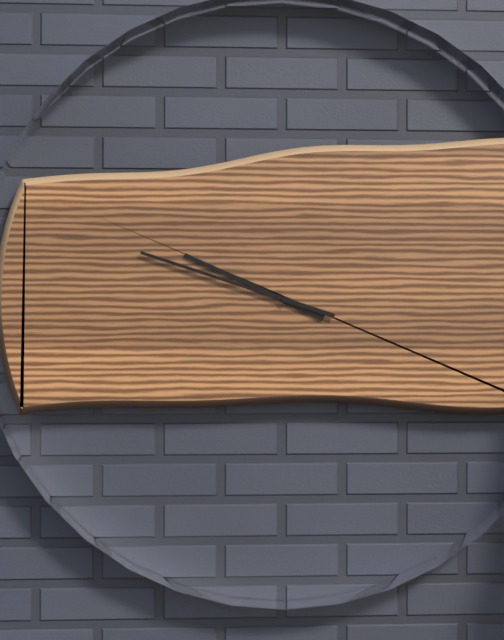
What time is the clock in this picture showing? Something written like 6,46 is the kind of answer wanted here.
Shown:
9,48
